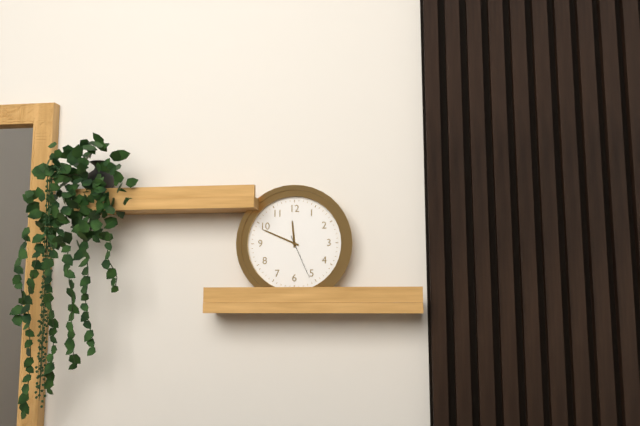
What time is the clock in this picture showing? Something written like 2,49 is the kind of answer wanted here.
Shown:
11,49
